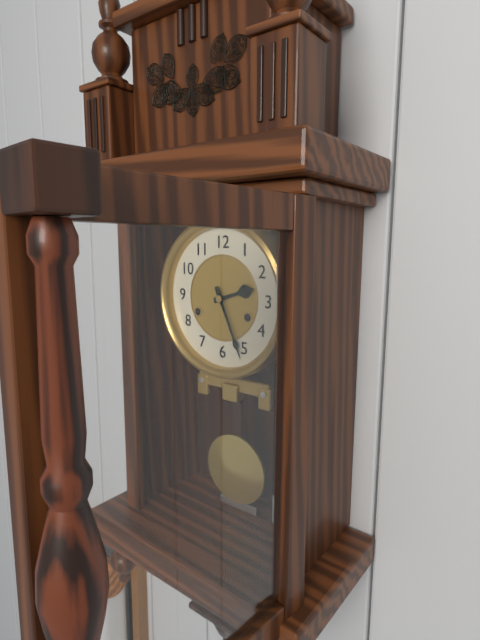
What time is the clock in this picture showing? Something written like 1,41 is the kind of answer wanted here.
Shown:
2,26
